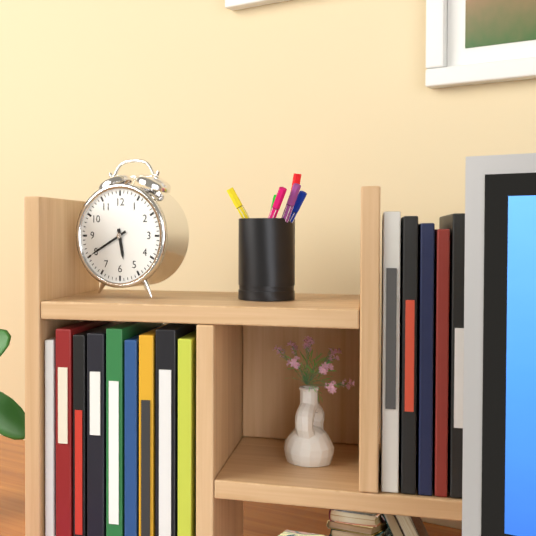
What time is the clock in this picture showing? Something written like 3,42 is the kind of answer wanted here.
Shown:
5,40
